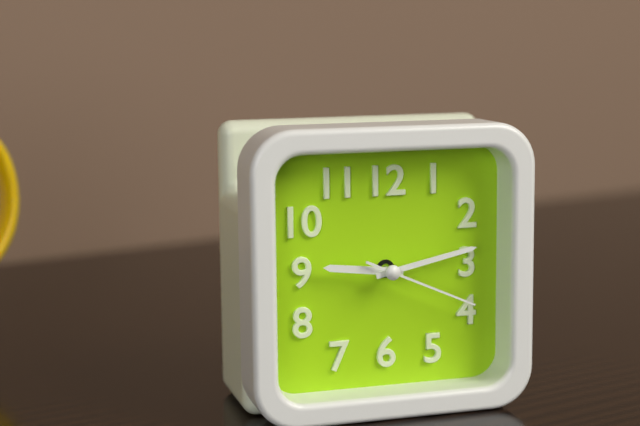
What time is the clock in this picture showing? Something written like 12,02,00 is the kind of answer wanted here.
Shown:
9,13,19
